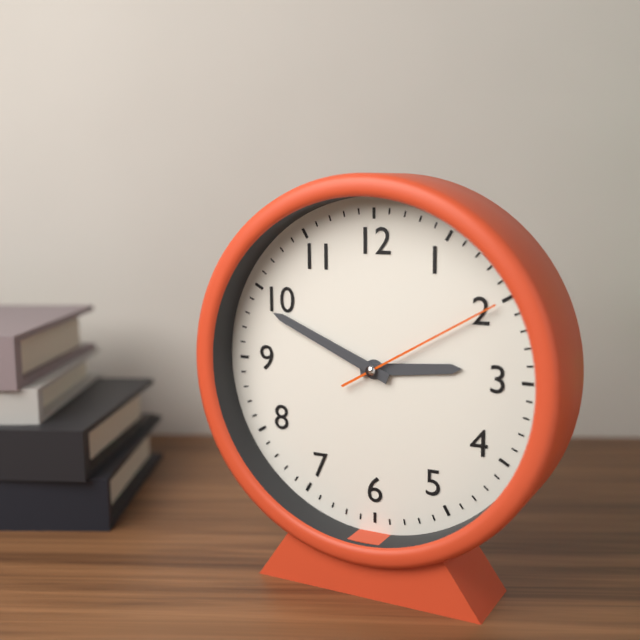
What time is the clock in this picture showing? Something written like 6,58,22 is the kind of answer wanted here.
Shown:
2,49,10
